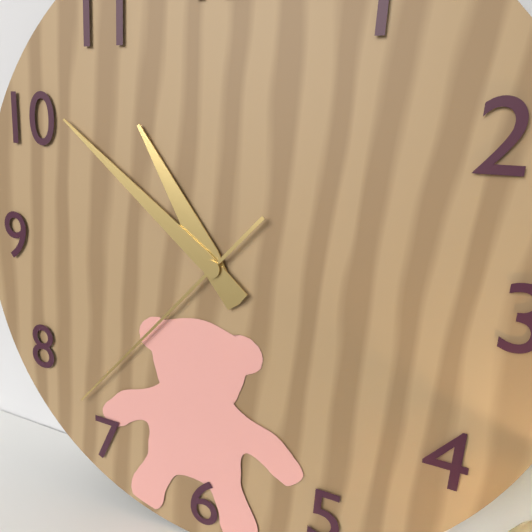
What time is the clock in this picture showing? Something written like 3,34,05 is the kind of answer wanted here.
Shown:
10,51,37
